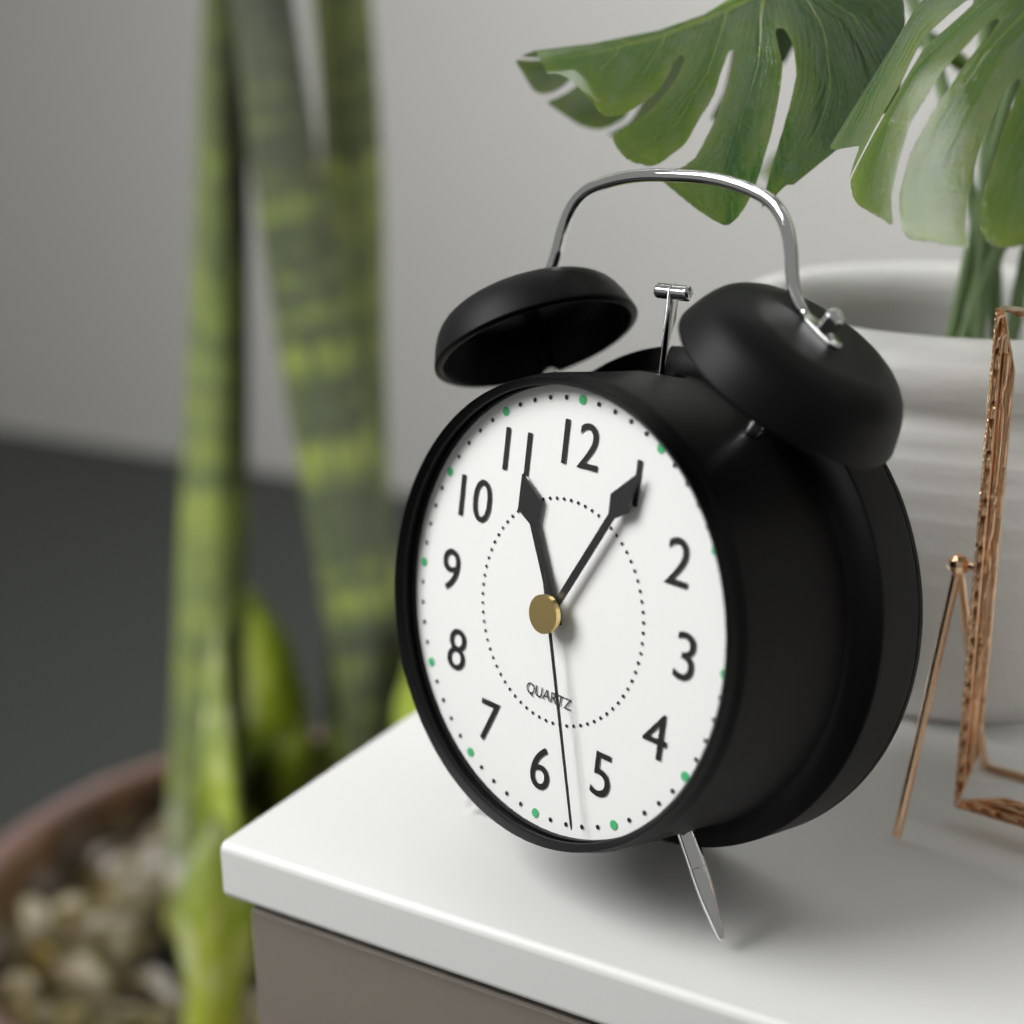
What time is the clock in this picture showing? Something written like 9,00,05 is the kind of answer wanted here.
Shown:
11,05,27
